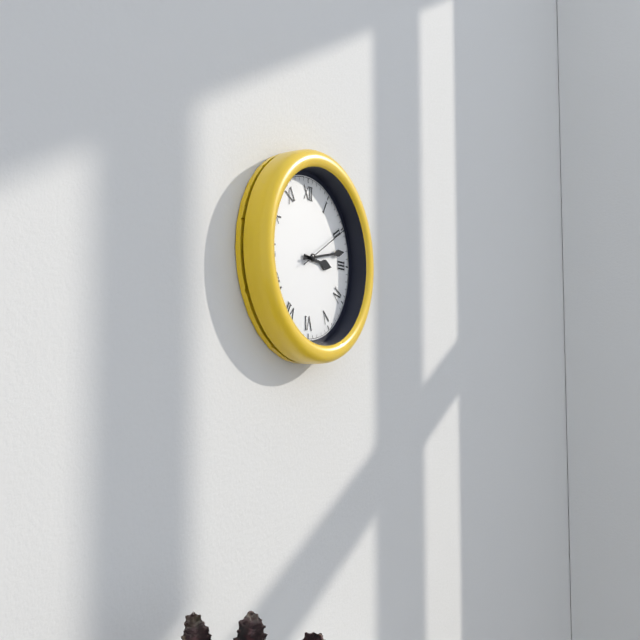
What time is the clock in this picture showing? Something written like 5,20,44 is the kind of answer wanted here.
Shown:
3,13,10
